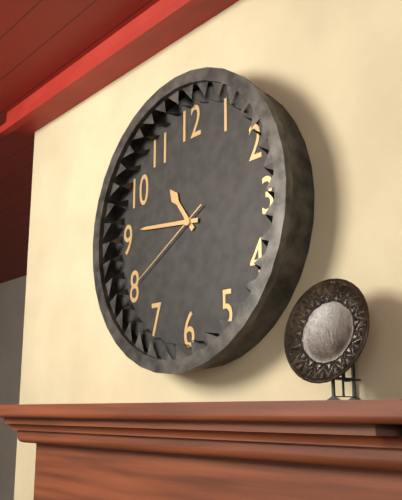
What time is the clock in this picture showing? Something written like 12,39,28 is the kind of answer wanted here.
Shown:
10,46,40
